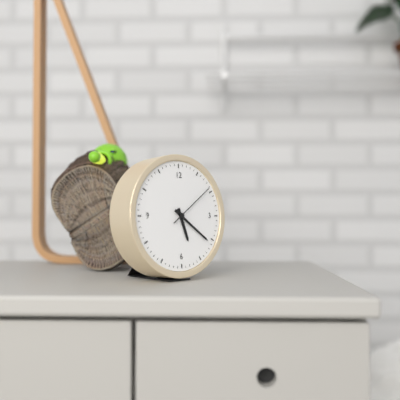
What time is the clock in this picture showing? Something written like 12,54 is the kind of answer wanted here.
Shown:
5,21
